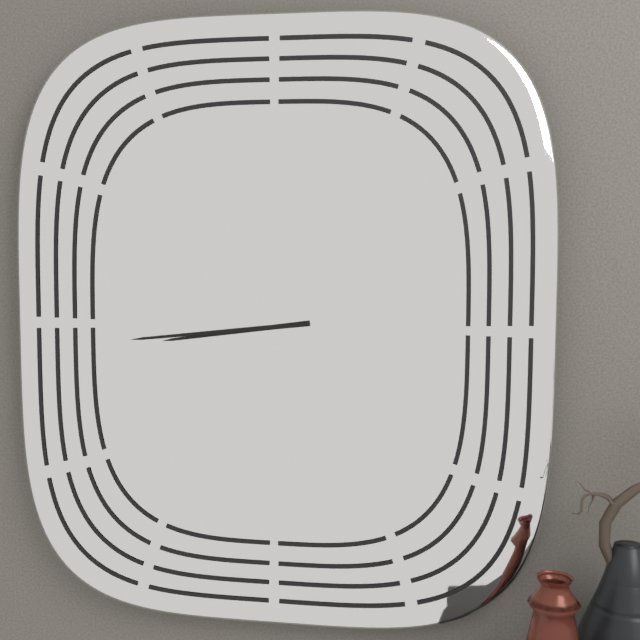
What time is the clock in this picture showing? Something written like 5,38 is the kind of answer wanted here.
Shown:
8,44
